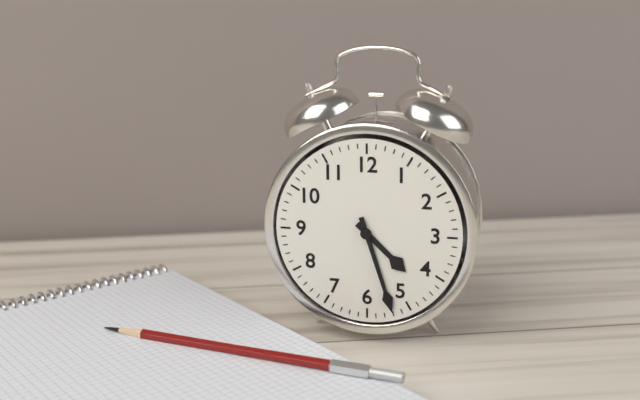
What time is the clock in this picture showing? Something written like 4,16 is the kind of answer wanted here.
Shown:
4,27
